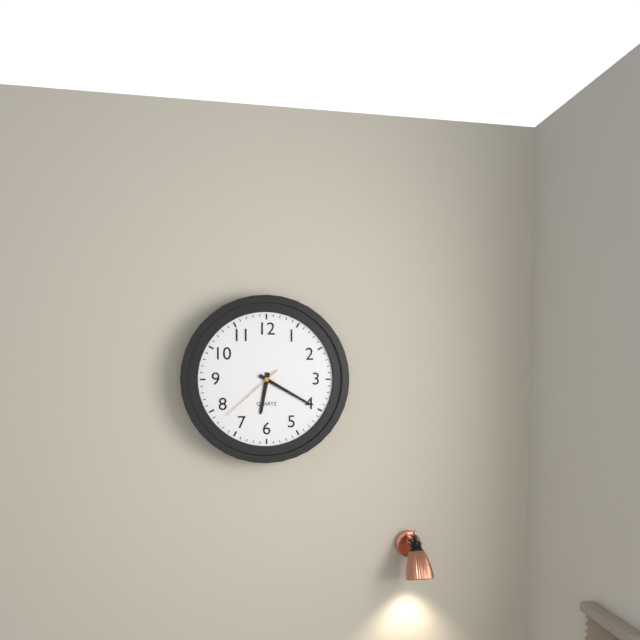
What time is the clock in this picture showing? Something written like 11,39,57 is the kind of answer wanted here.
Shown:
6,20,38
